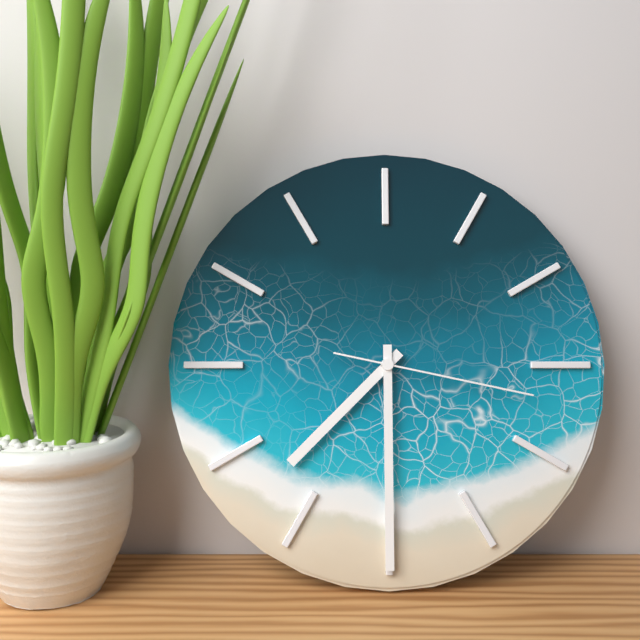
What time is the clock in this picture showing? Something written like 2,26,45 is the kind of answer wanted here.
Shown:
7,30,17
